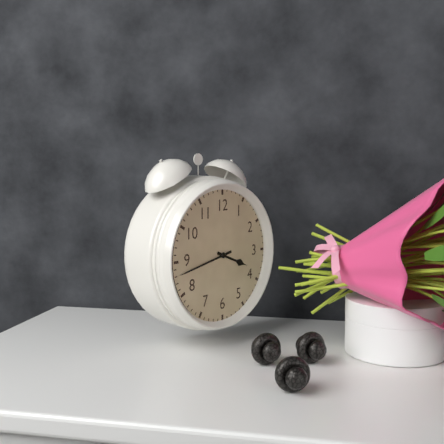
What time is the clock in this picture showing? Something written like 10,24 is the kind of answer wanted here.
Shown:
3,43
